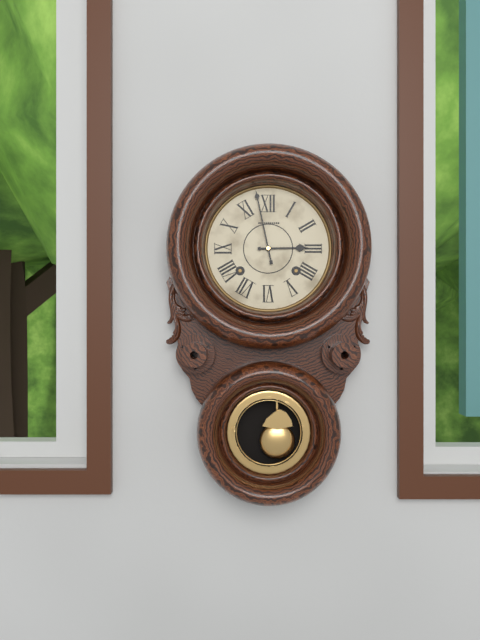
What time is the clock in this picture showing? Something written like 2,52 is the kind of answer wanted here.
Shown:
2,58
